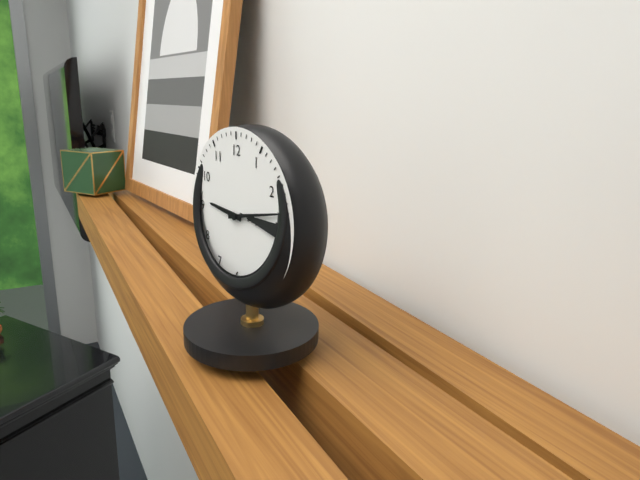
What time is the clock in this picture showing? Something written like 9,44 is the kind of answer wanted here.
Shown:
9,13
